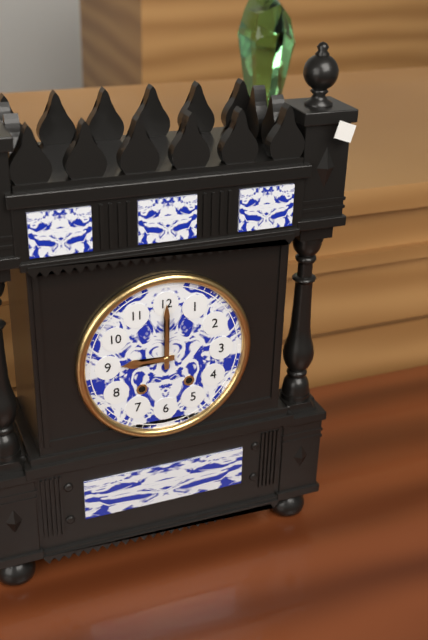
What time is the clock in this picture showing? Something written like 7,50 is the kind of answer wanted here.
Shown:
9,00
